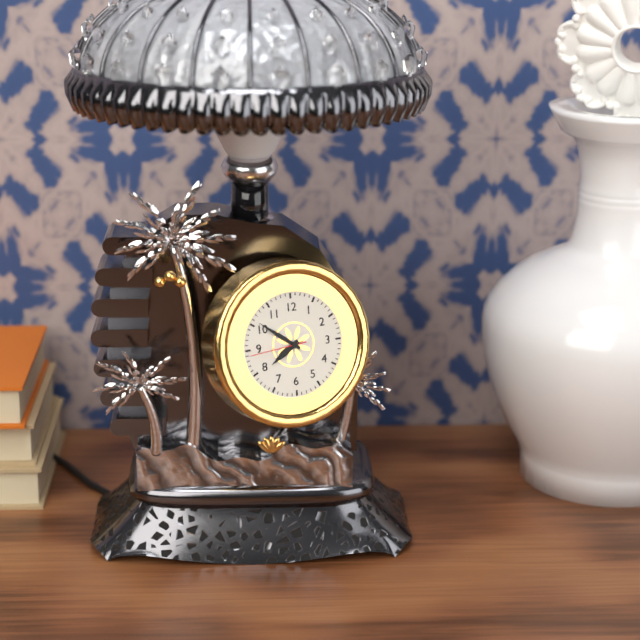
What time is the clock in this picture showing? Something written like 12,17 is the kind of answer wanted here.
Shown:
7,51
